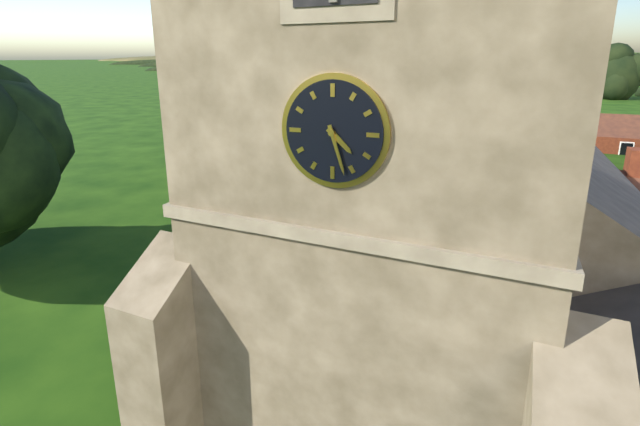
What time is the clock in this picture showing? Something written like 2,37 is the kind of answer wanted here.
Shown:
4,27
